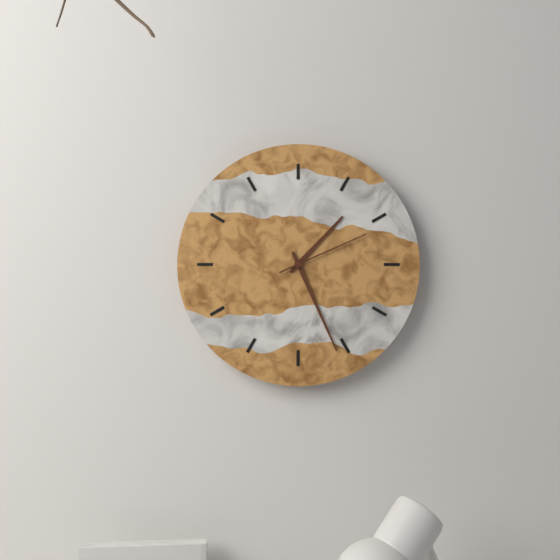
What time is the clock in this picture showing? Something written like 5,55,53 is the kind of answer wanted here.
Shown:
1,26,11
